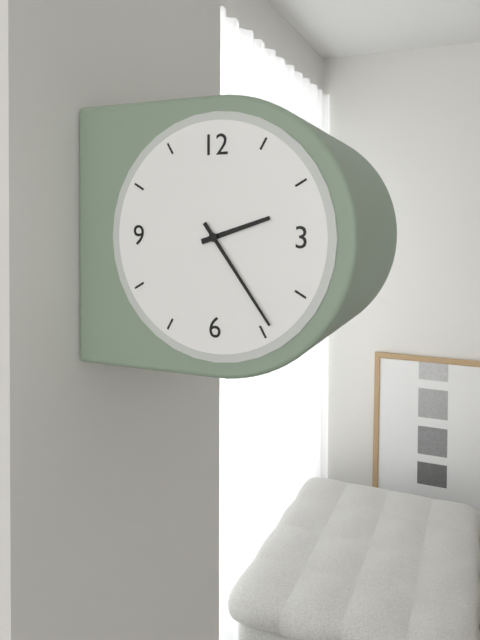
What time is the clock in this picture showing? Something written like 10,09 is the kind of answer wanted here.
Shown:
2,24
